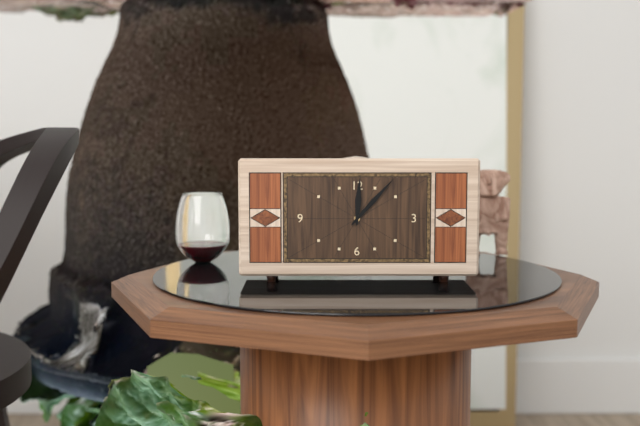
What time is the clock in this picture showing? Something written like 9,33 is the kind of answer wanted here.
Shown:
12,07
